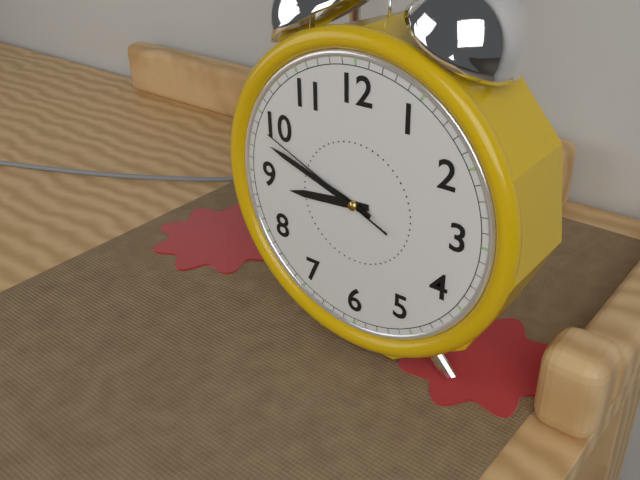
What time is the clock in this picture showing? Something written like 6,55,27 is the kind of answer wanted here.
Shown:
8,48,49
